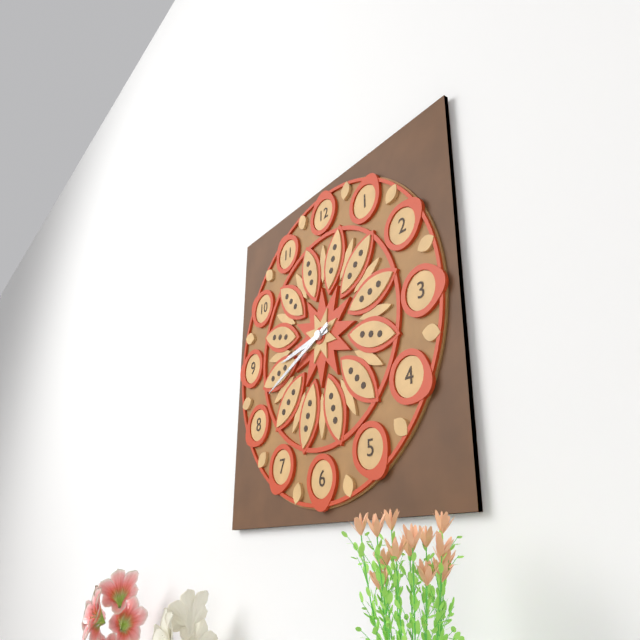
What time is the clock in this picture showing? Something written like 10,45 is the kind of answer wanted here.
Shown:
8,41
